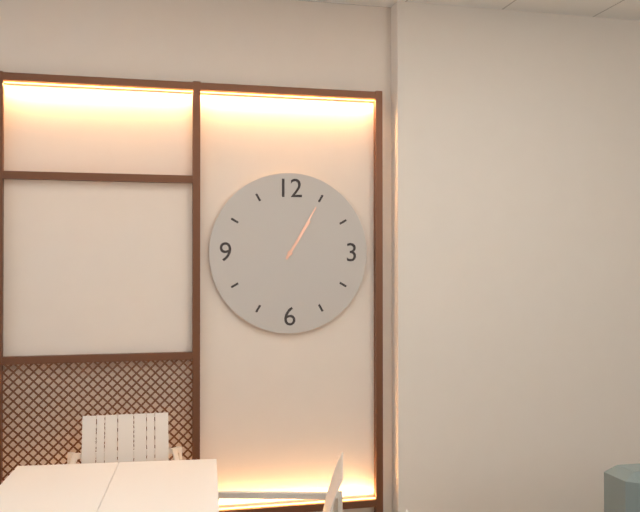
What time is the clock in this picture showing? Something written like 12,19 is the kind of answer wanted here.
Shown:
1,05
